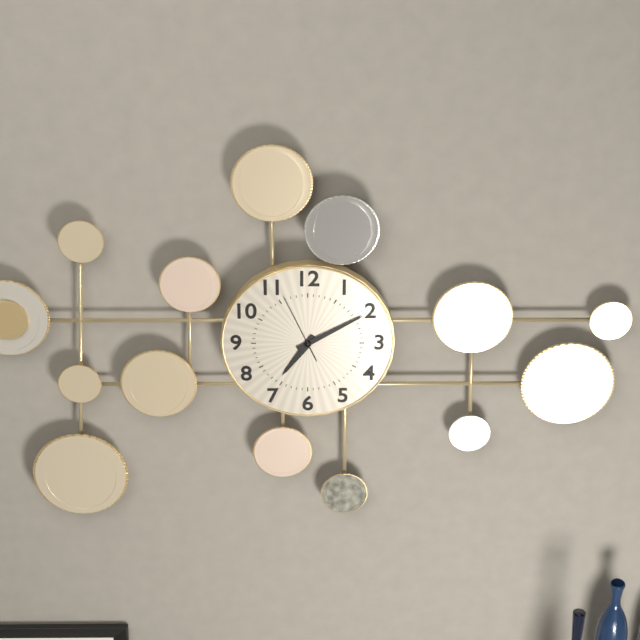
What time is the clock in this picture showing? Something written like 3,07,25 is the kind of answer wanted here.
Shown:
7,10,56
